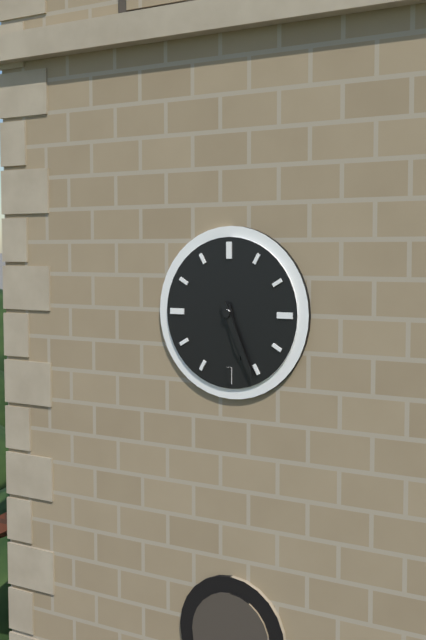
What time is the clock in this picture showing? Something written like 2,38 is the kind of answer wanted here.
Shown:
5,26
